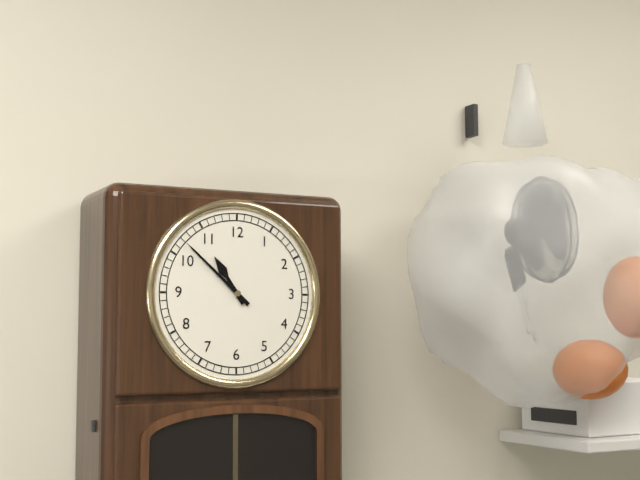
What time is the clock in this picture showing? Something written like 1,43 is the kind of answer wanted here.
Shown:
10,52
